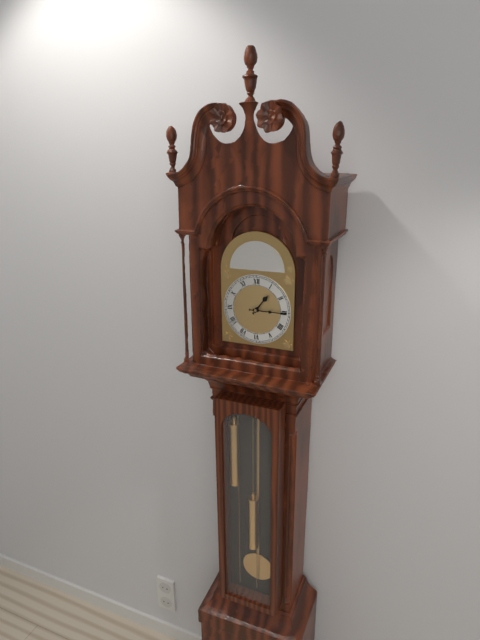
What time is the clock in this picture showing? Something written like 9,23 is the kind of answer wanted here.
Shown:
1,15
